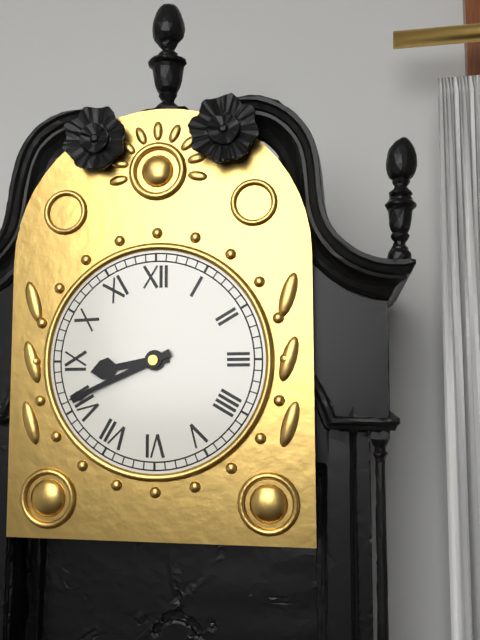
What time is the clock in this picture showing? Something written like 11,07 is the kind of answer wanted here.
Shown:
8,41
